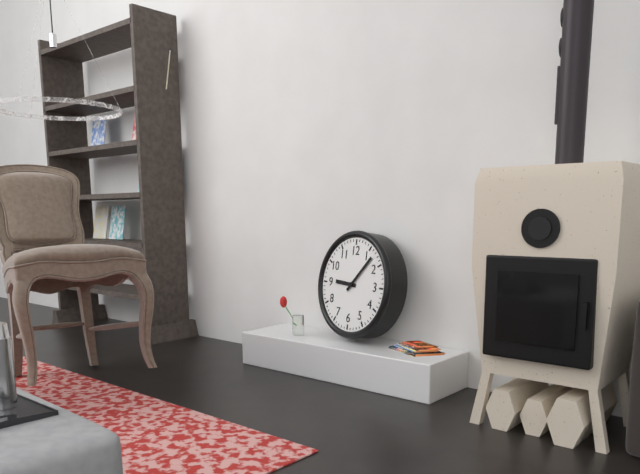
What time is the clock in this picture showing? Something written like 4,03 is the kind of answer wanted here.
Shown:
9,07
